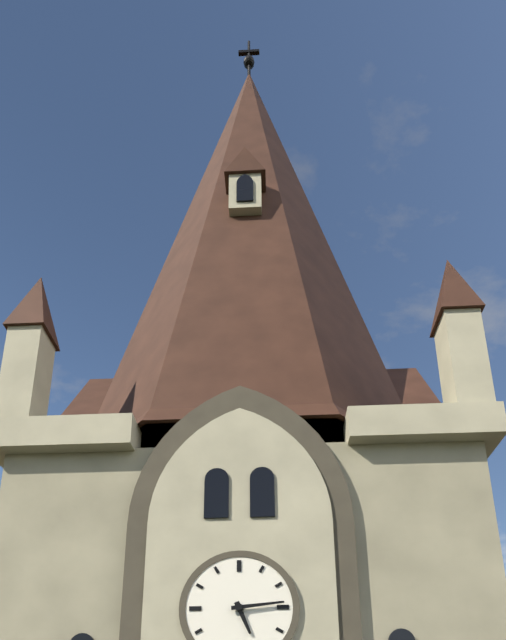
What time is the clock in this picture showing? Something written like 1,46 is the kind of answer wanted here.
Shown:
5,14
